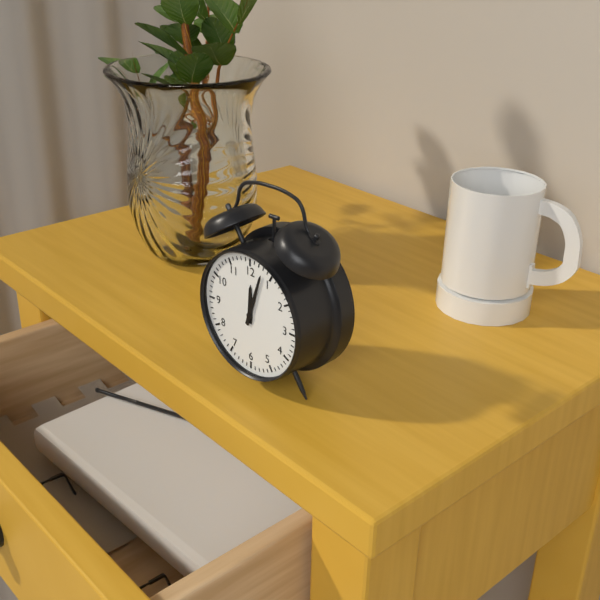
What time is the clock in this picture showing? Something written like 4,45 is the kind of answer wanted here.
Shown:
12,03
